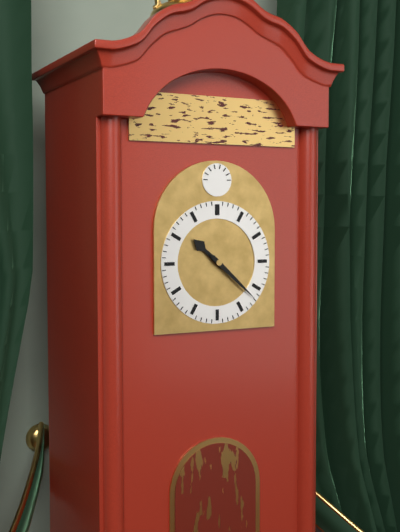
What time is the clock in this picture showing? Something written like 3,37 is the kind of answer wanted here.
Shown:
10,22
